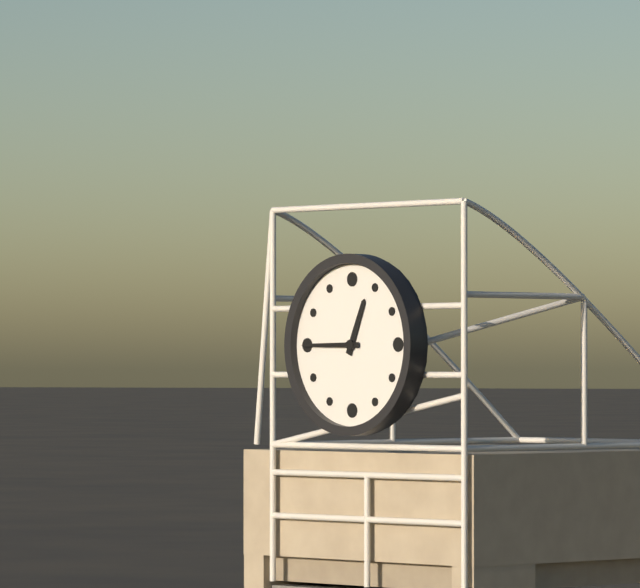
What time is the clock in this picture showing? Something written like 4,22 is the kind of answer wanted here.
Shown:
12,45
